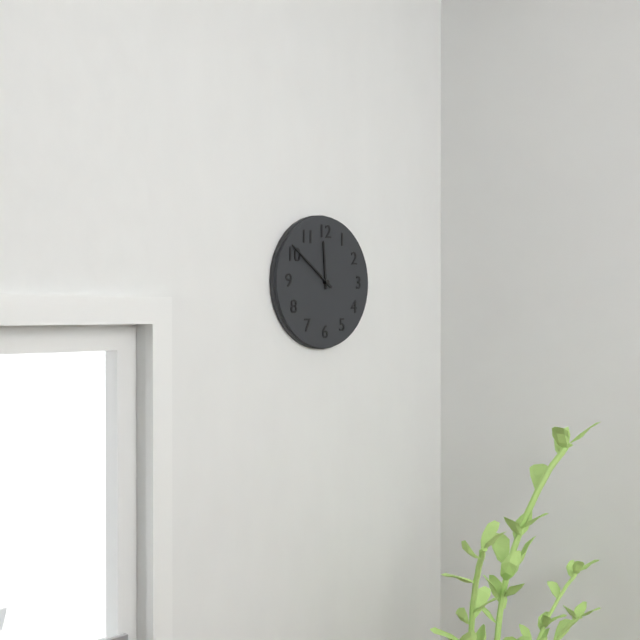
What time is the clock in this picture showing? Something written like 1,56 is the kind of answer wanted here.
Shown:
11,51
